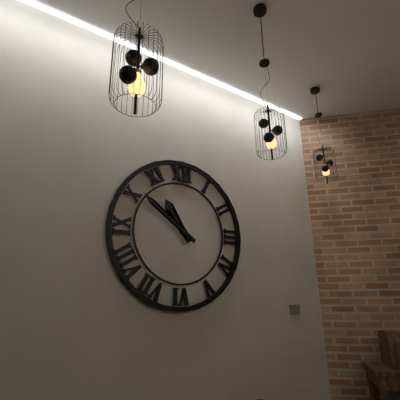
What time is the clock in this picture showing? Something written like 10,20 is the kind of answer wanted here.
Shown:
10,51
